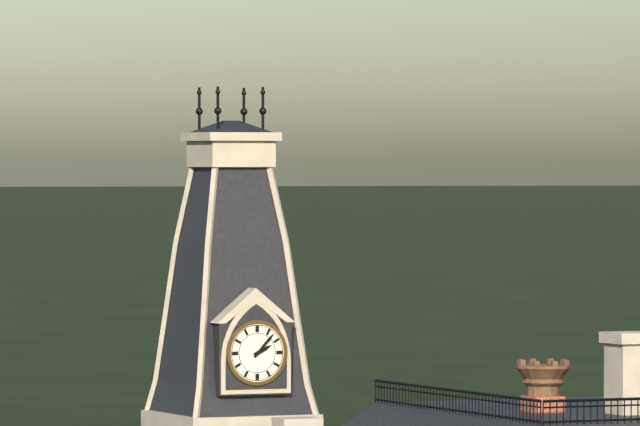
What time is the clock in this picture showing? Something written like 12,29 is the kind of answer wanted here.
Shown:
2,07
